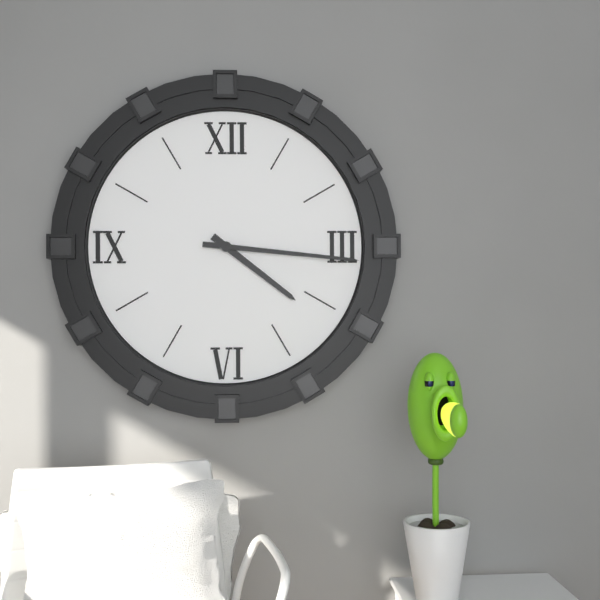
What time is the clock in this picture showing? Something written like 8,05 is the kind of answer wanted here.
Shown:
4,16
